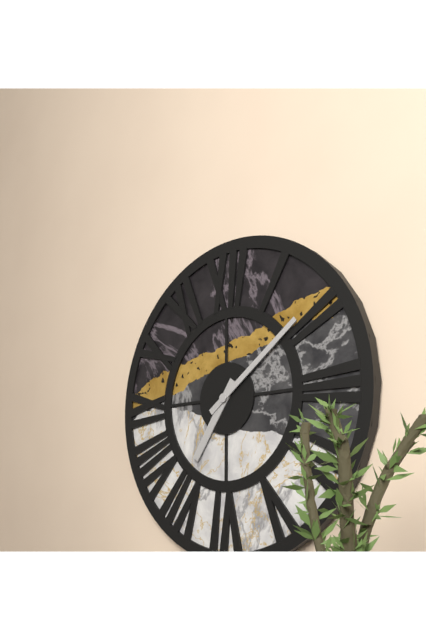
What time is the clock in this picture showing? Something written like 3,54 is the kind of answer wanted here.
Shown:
7,09
